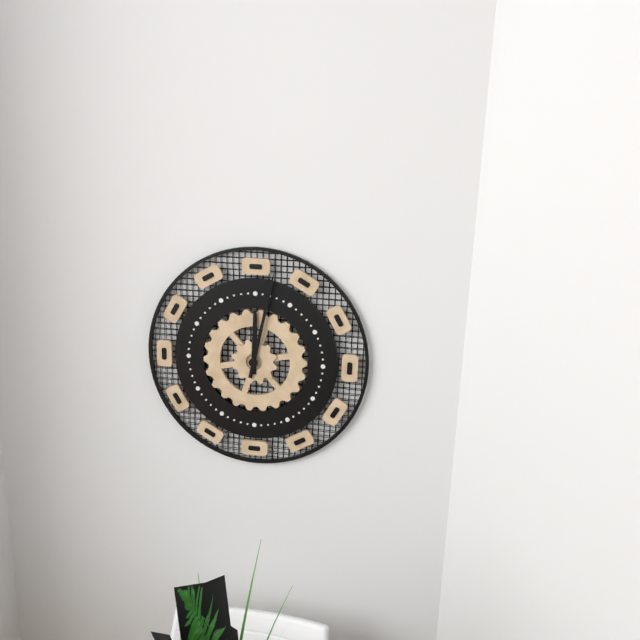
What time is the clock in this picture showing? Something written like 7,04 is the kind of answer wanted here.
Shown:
12,02
